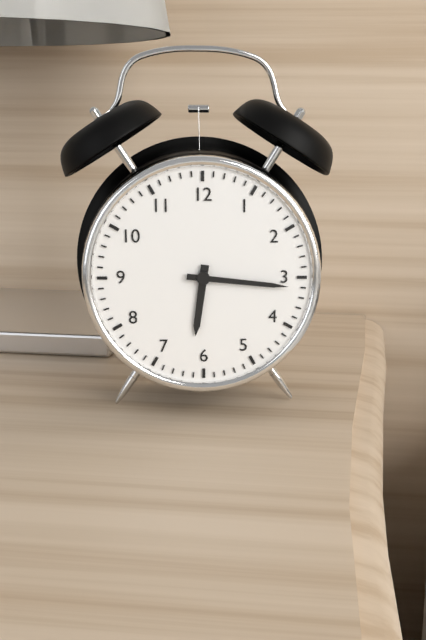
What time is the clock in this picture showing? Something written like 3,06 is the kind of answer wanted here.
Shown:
6,16
